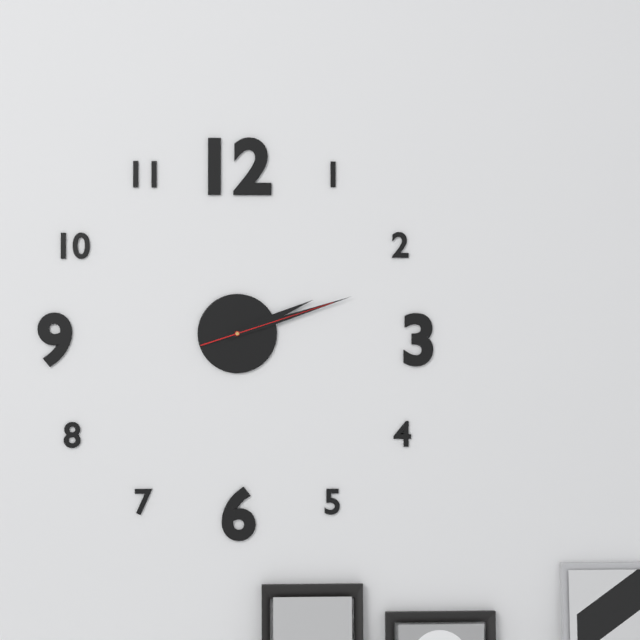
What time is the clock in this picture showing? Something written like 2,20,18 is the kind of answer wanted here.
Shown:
2,12,12
